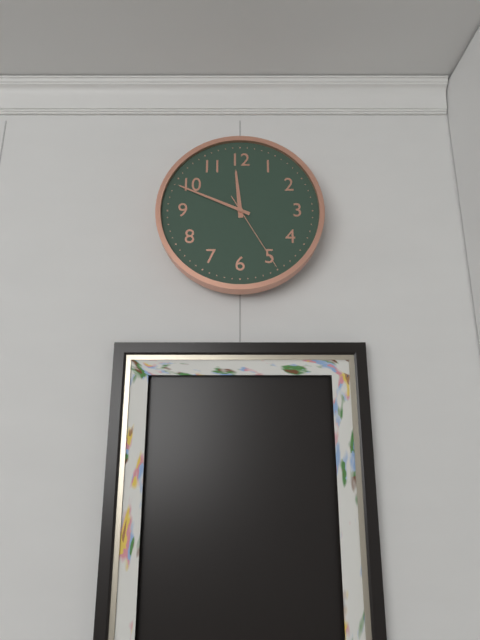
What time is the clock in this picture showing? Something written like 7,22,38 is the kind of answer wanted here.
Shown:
11,49,25
